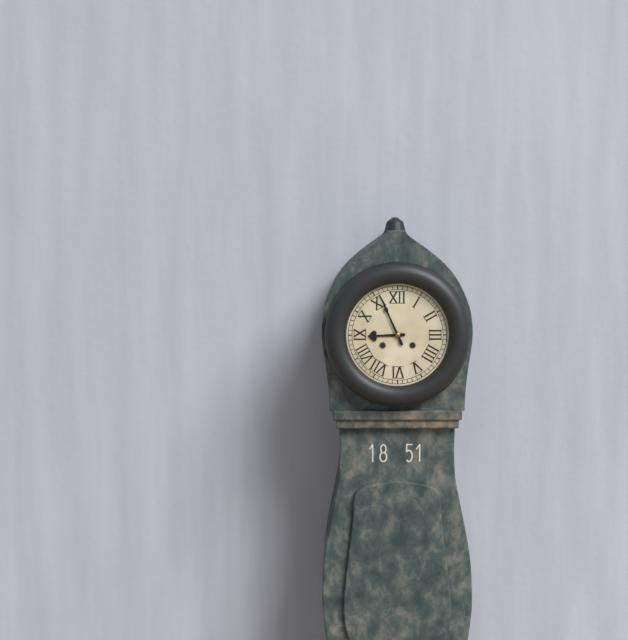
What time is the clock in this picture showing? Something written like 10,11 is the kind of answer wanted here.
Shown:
8,56
